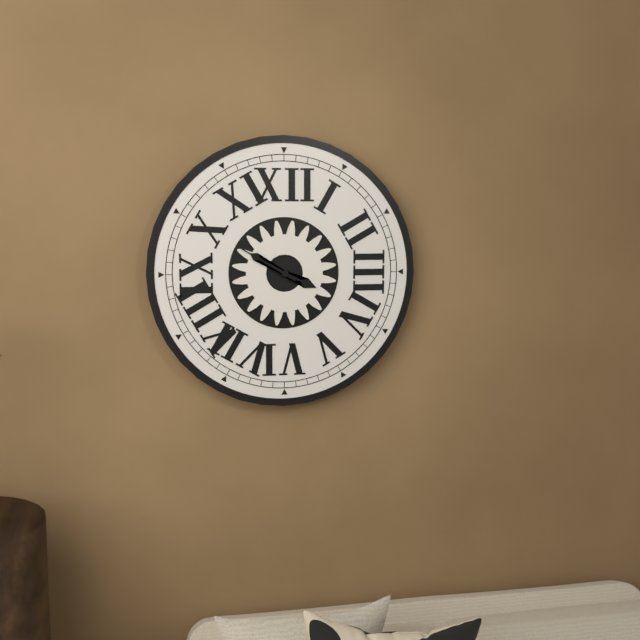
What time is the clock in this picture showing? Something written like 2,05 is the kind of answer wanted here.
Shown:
3,50
